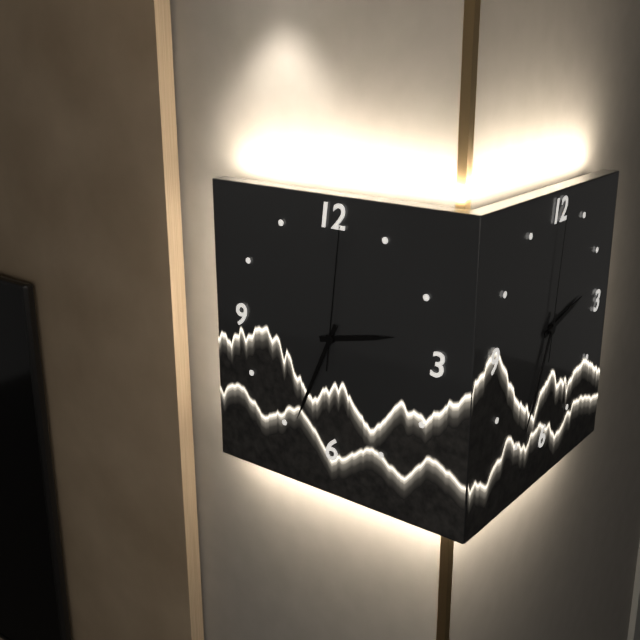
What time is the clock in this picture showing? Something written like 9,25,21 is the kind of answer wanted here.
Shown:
2,34,01
